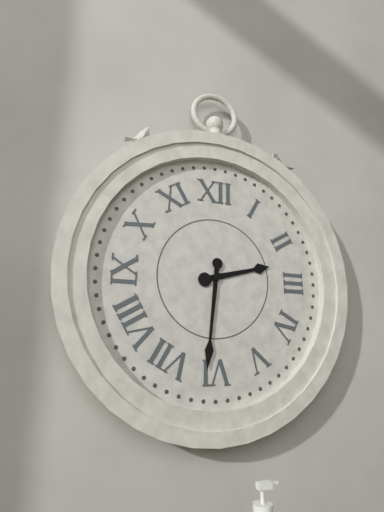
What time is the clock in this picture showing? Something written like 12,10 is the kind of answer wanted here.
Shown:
2,31
